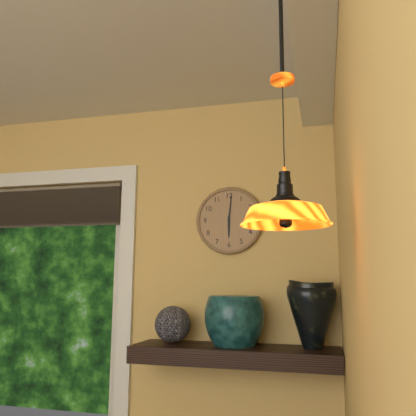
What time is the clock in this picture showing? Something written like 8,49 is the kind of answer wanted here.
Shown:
6,01
